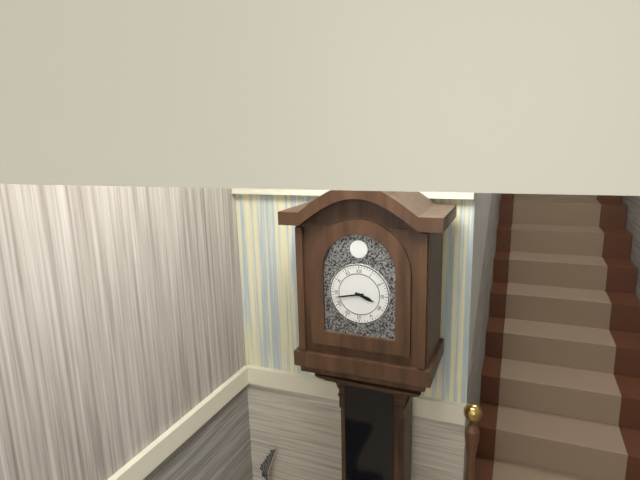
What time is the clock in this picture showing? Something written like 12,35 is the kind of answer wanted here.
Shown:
3,43
